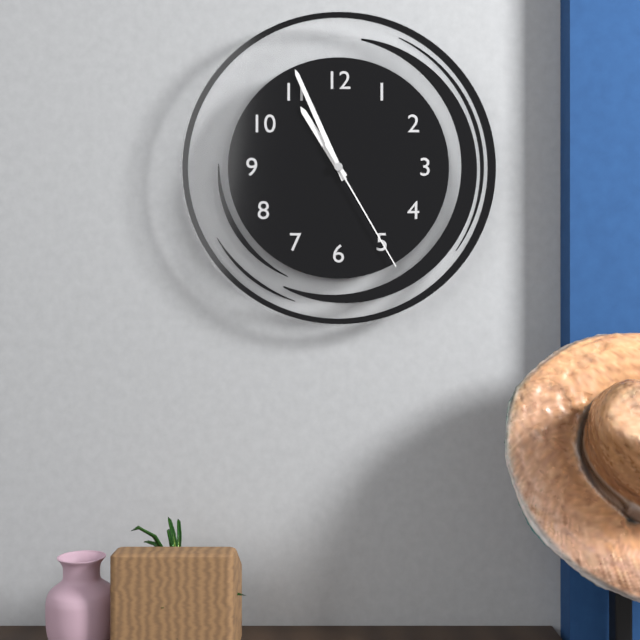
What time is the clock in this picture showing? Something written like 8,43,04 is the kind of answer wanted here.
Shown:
10,56,25
